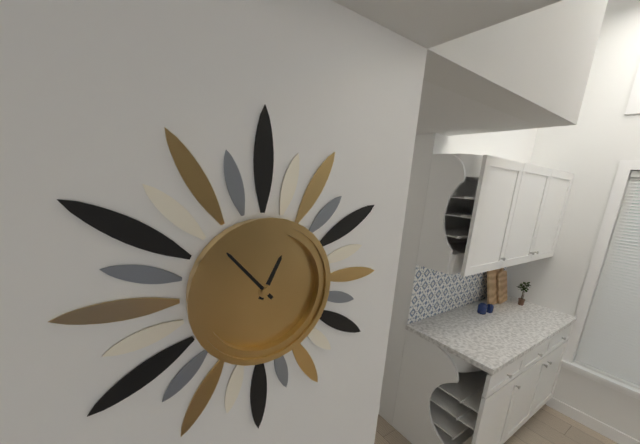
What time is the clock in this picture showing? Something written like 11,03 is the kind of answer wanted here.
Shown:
12,53
